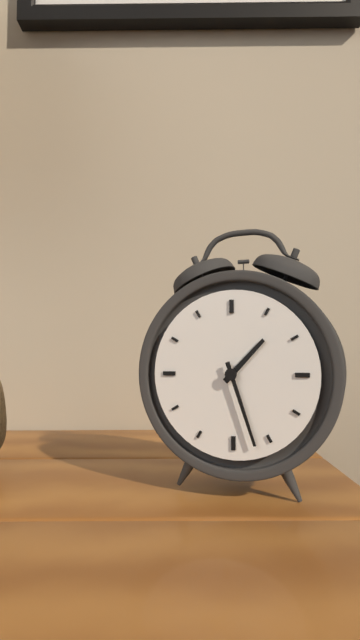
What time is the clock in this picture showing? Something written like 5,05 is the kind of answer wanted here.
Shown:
1,27
